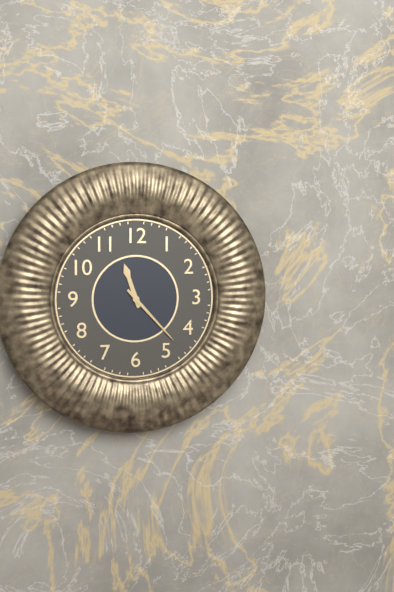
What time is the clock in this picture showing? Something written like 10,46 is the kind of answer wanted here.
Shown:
11,23
